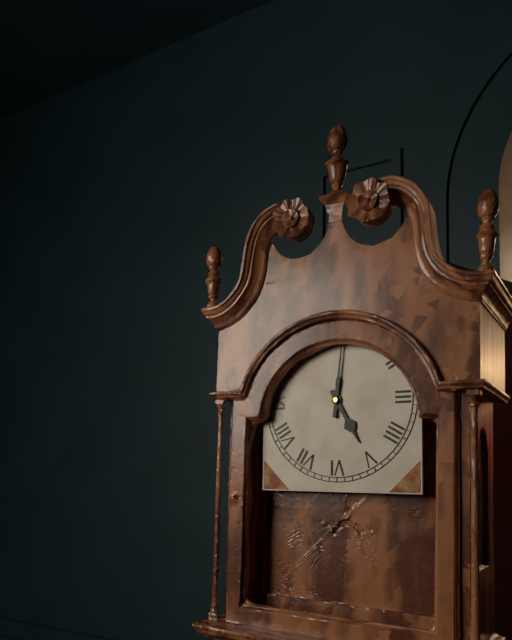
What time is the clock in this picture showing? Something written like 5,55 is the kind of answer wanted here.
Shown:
5,01
